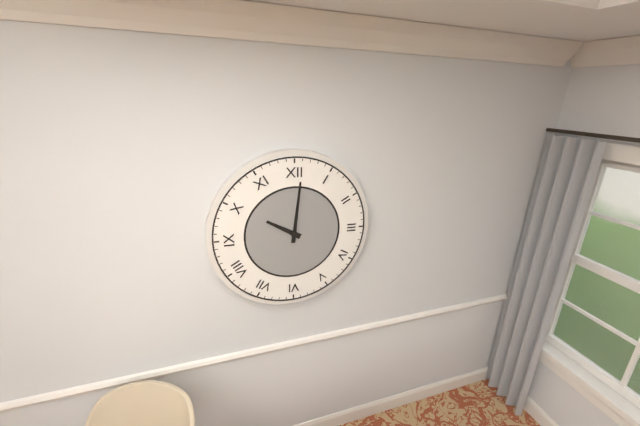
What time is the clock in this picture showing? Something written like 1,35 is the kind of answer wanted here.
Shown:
10,01
